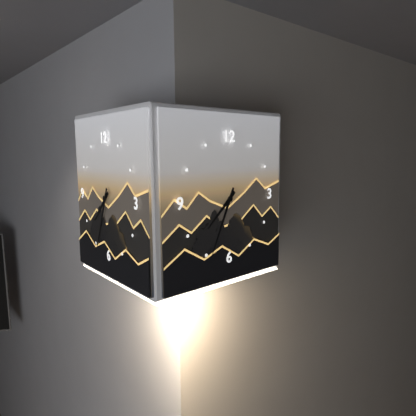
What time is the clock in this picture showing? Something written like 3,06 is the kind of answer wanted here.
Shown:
7,34
